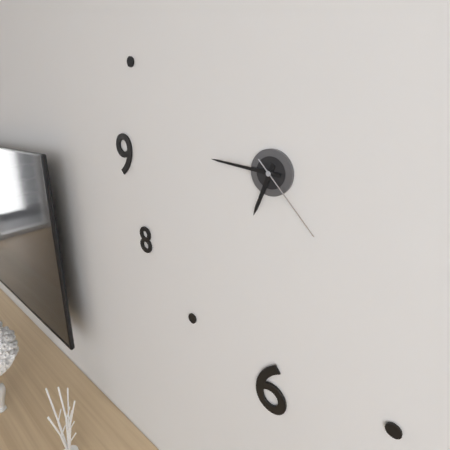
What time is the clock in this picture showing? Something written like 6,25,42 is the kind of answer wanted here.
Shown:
6,46,23
